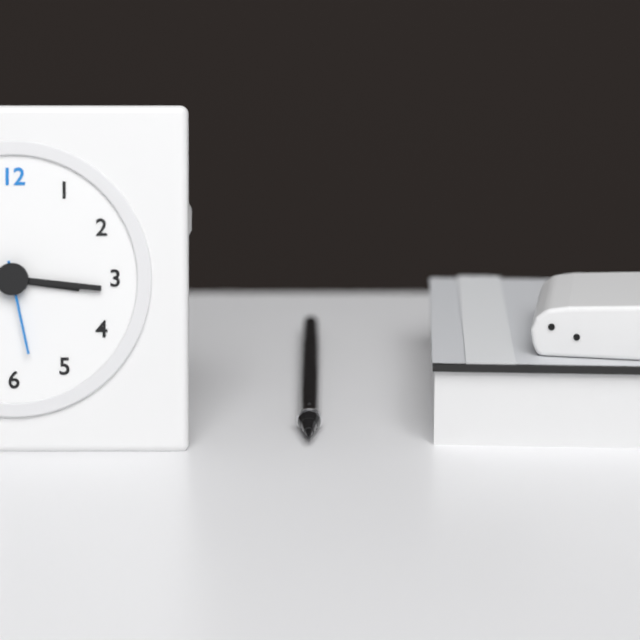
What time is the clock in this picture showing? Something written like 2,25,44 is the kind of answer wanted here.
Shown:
3,16,28
